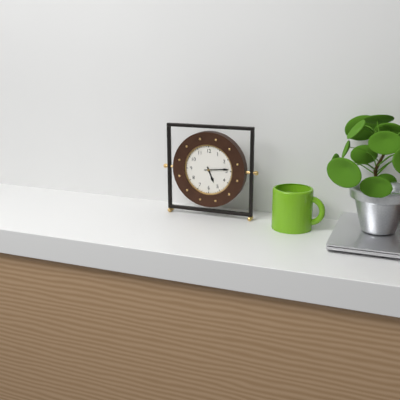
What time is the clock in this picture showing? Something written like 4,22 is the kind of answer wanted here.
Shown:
5,14
